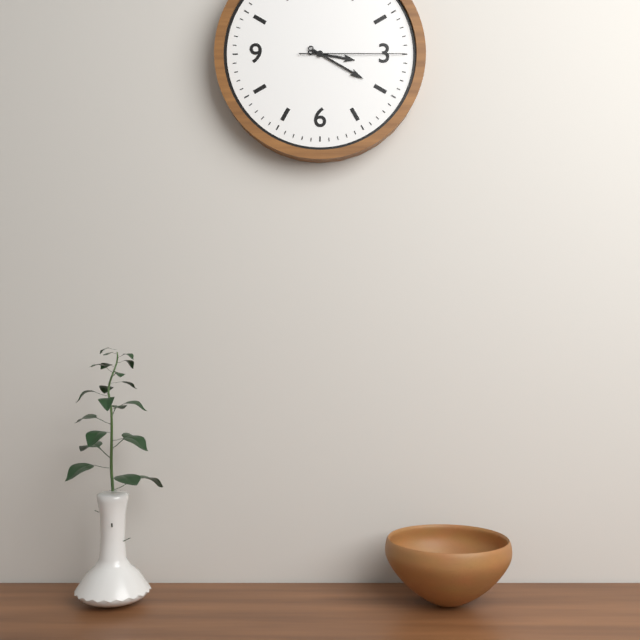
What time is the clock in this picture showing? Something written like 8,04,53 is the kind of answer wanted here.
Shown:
3,20,15
